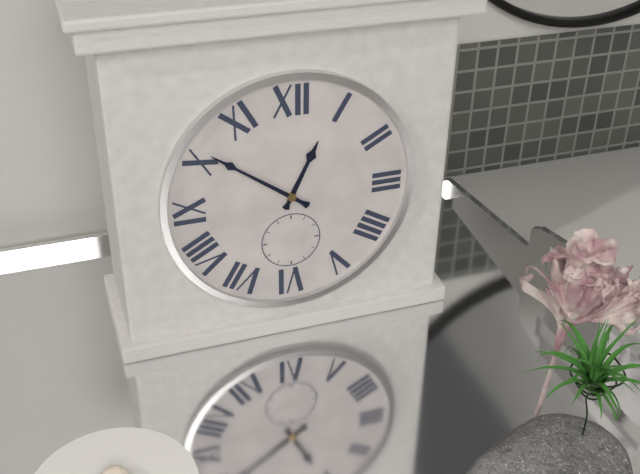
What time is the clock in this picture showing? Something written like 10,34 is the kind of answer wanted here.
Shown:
12,51
